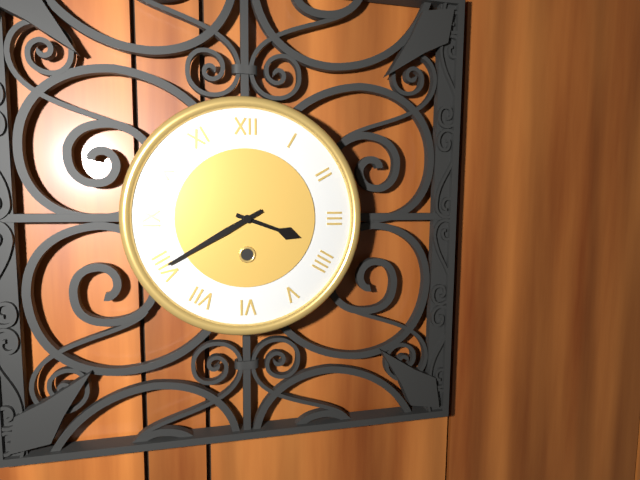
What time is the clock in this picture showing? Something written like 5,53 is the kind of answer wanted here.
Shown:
3,40
